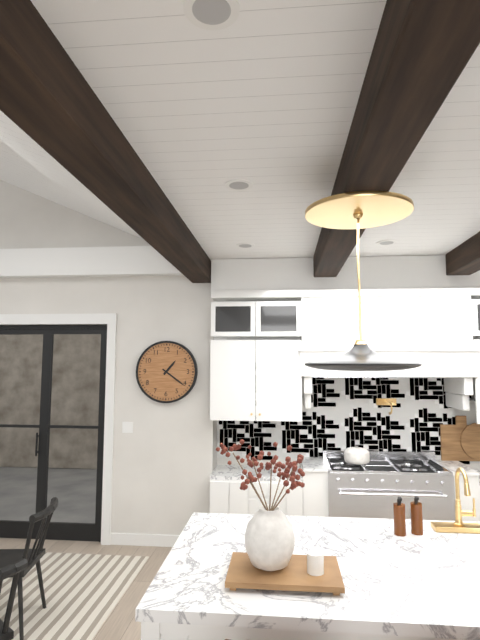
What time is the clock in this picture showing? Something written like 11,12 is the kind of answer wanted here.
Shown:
1,21
